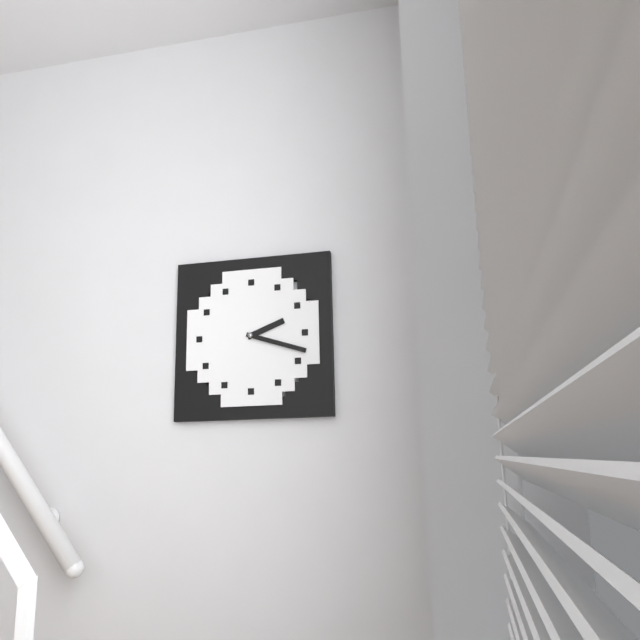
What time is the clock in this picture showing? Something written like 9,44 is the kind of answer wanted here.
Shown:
2,18
